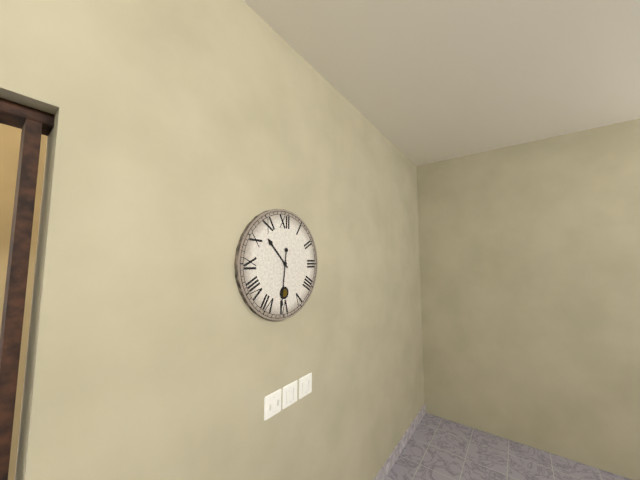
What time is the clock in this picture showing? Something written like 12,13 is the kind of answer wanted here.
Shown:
10,31
